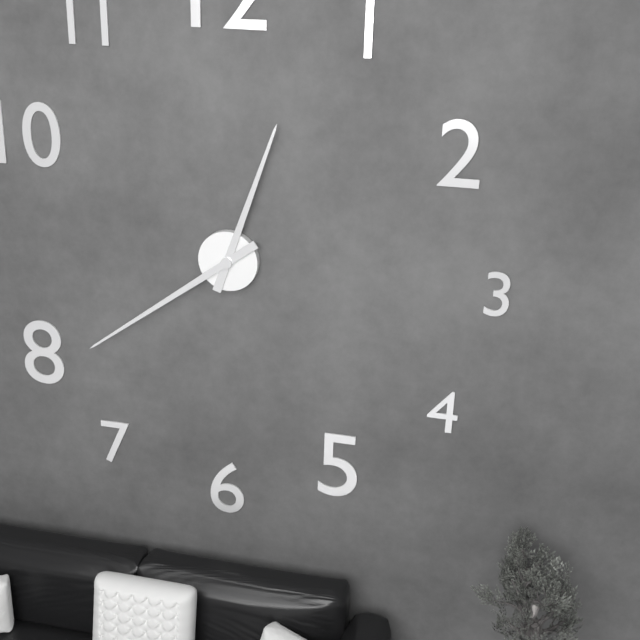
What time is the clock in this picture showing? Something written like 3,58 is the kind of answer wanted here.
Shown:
12,39
